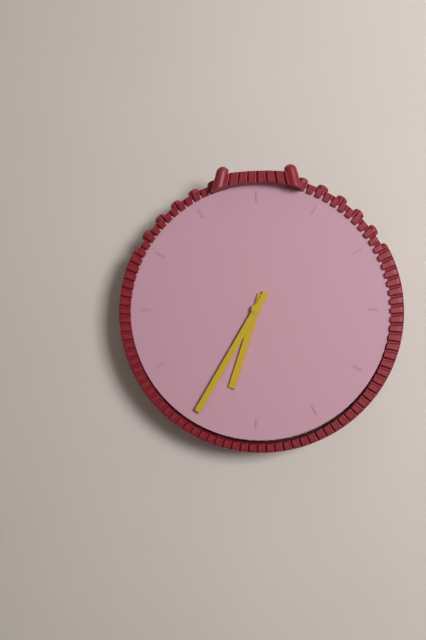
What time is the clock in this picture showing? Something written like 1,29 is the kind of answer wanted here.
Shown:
6,35
